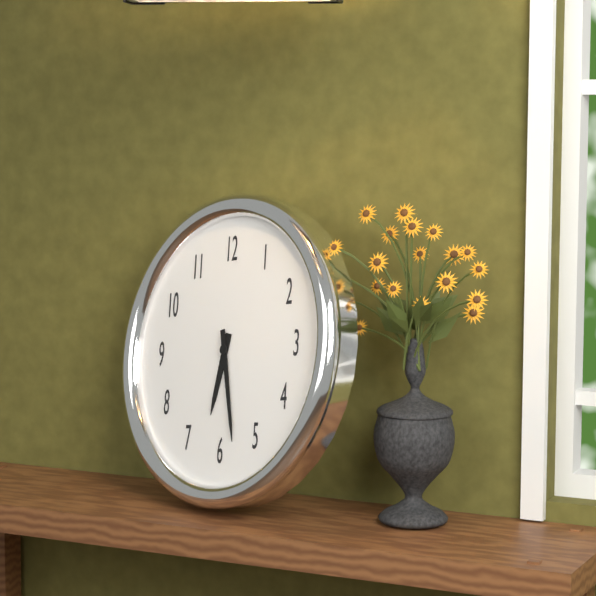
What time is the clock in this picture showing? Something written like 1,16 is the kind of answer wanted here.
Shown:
6,28
